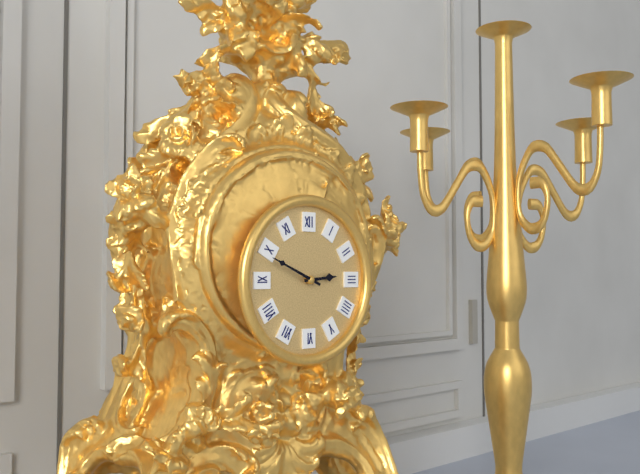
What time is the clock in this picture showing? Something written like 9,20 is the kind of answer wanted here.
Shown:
2,49
